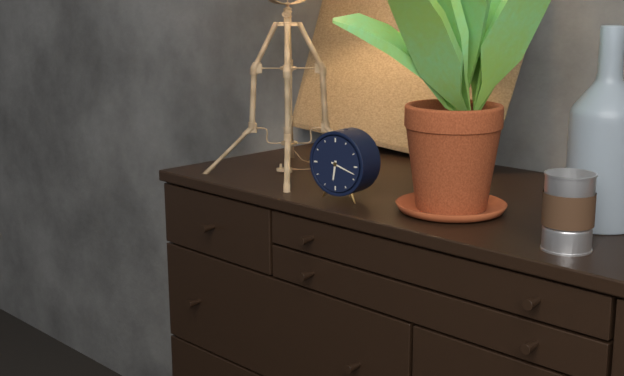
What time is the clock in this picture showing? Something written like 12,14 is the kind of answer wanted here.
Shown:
6,18
